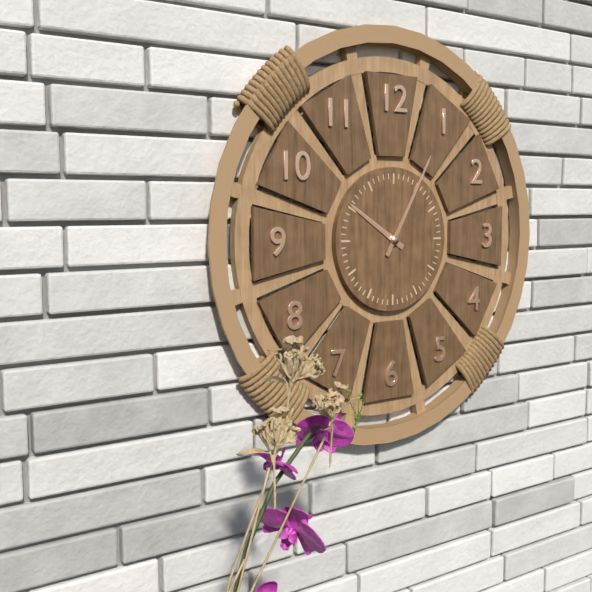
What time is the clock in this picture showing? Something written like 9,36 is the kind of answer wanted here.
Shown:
10,05
